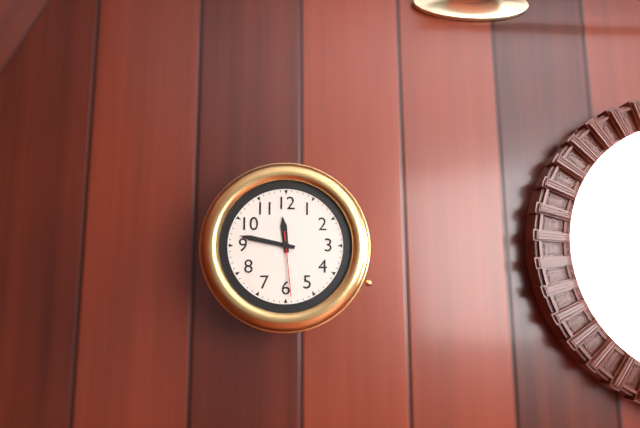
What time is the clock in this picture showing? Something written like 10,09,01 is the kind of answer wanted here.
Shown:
11,47,29
